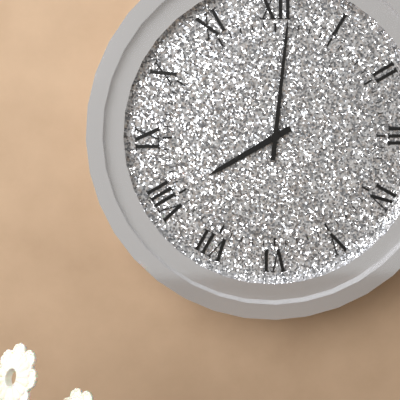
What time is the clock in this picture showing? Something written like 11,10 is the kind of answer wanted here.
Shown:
8,01
